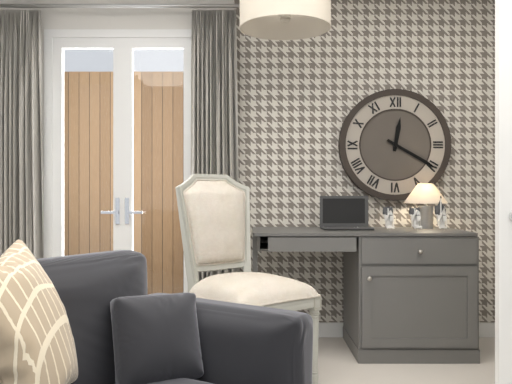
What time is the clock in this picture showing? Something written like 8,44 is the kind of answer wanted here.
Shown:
12,20
